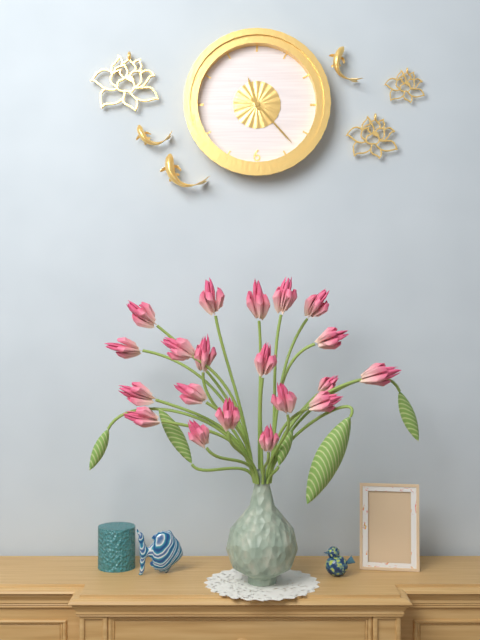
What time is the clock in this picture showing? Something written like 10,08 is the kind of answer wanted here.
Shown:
11,23
